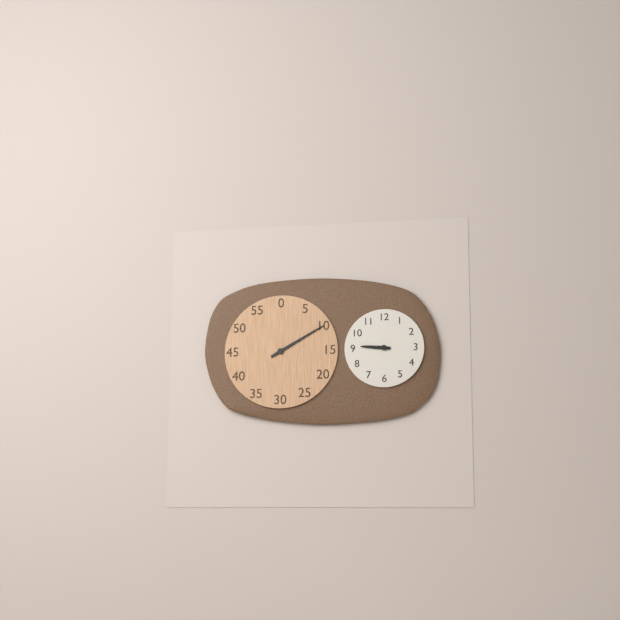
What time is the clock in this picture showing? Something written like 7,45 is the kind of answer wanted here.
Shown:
9,10
